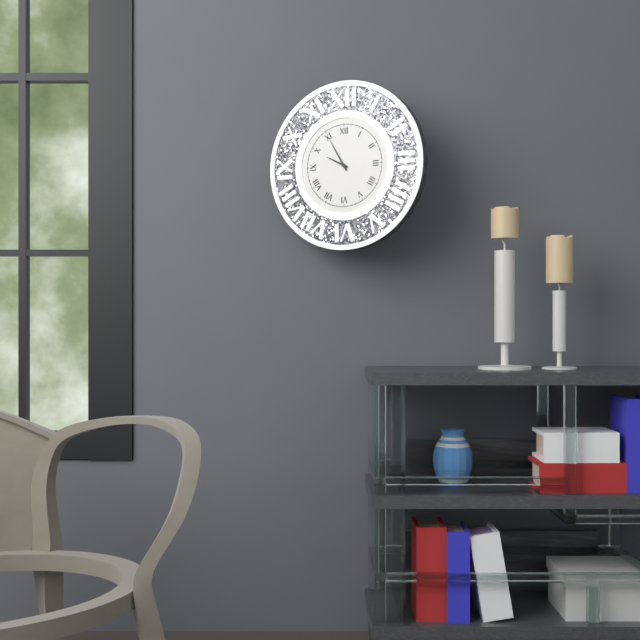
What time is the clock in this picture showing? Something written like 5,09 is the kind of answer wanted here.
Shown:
9,55
